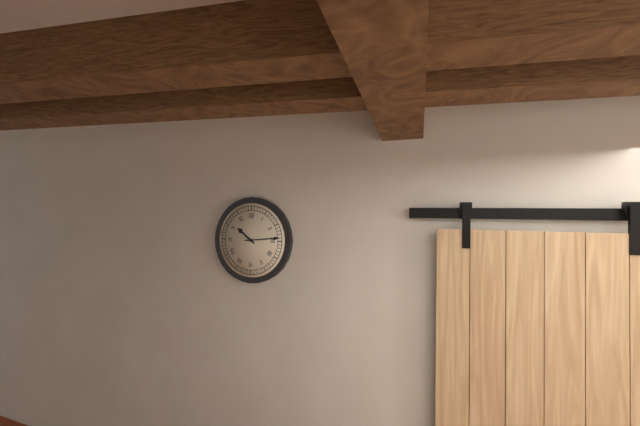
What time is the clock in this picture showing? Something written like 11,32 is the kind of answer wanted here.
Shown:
10,14
